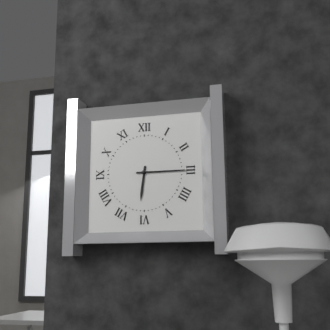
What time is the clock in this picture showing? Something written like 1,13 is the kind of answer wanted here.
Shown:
6,15
